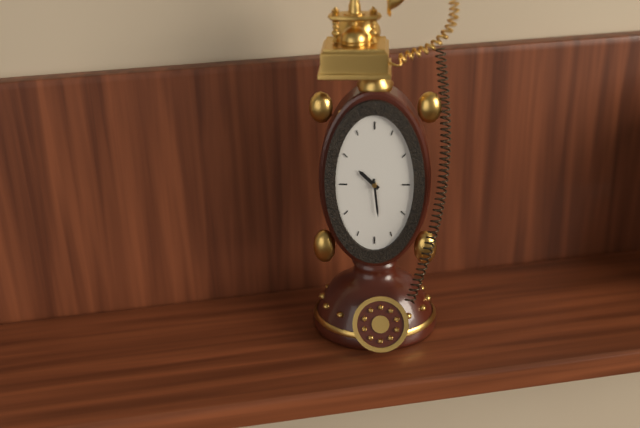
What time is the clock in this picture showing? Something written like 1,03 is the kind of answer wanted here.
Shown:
10,29
